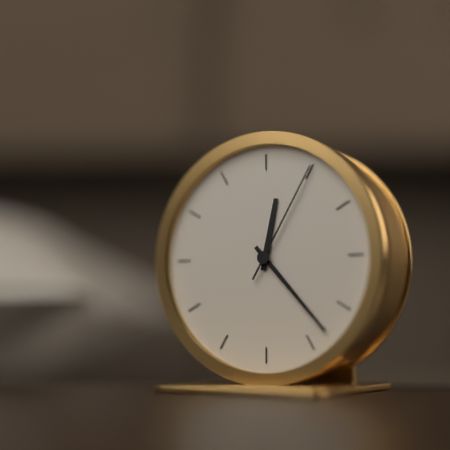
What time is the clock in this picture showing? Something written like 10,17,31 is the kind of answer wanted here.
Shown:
12,23,05
